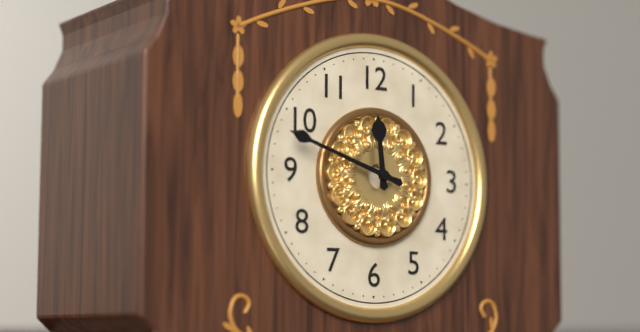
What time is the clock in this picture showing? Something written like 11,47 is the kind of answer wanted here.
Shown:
11,48
